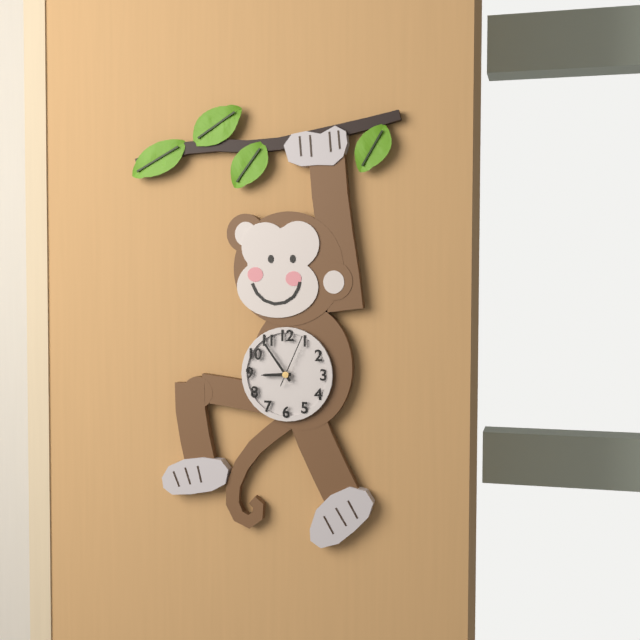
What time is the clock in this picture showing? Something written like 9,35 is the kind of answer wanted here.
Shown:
8,54
